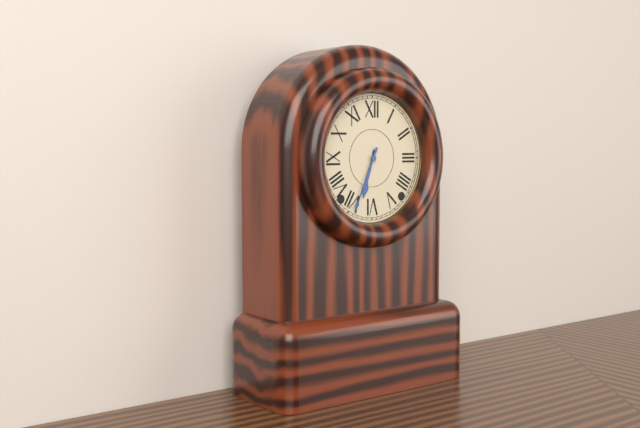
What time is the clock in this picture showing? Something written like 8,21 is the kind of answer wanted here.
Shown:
6,34
